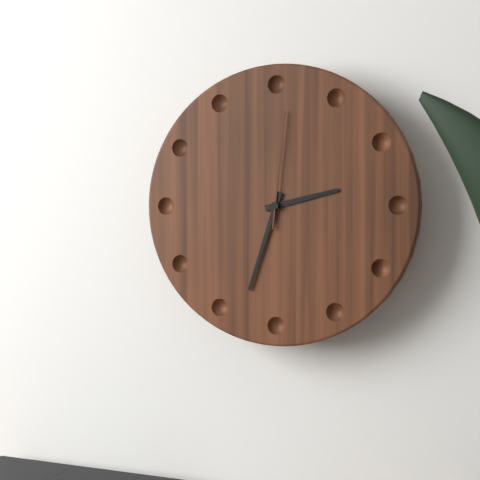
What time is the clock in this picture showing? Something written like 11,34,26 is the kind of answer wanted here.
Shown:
2,33,01
